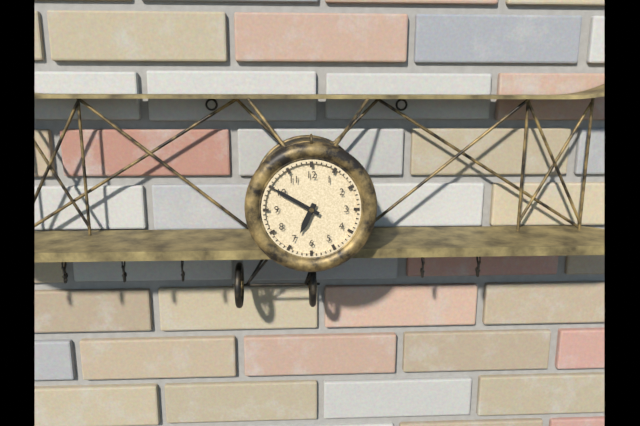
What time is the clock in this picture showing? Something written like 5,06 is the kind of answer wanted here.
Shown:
6,50
